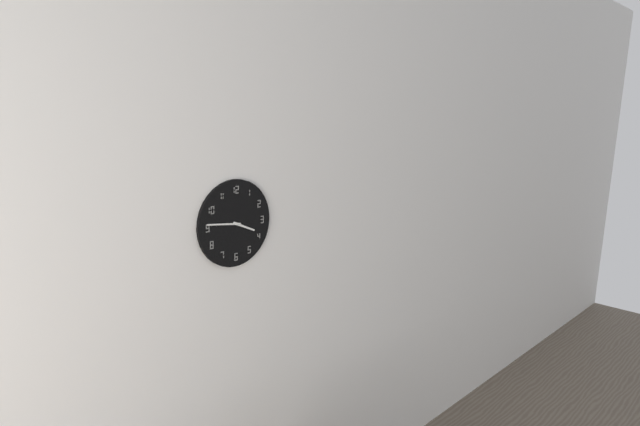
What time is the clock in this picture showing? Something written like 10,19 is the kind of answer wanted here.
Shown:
3,46
